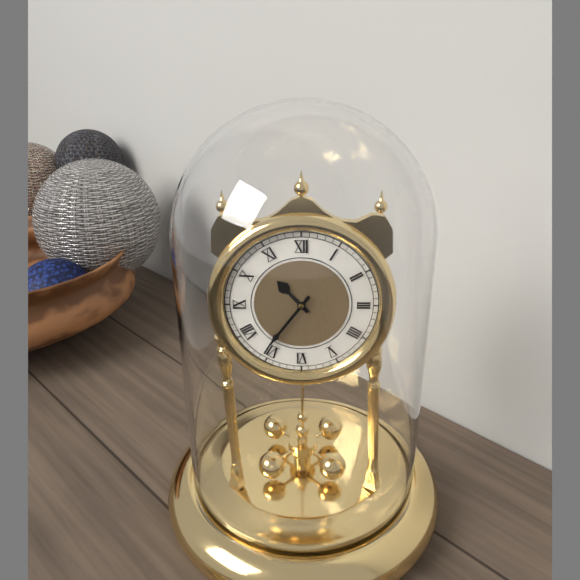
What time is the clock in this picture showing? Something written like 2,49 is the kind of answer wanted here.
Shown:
10,36
